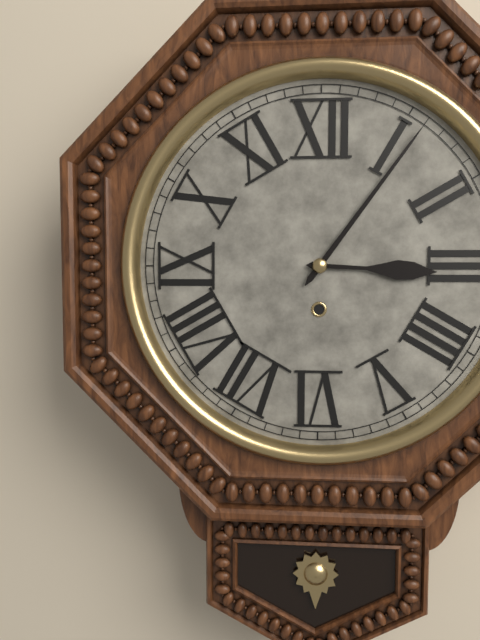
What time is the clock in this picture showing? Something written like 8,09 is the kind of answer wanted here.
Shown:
3,06
